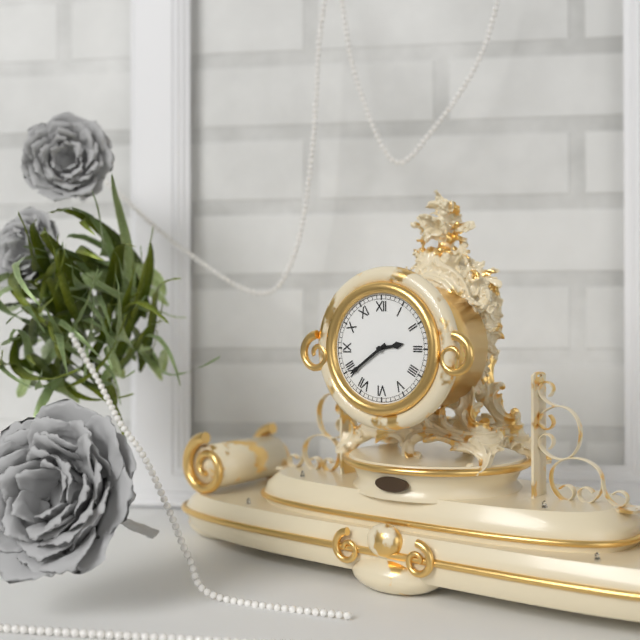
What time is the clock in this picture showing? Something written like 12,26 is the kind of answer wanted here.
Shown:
2,39
